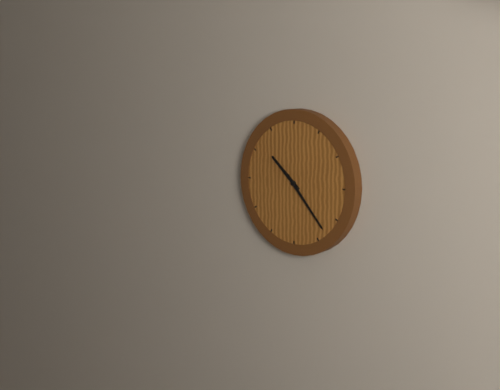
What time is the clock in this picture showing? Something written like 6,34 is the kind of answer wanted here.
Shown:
10,23
